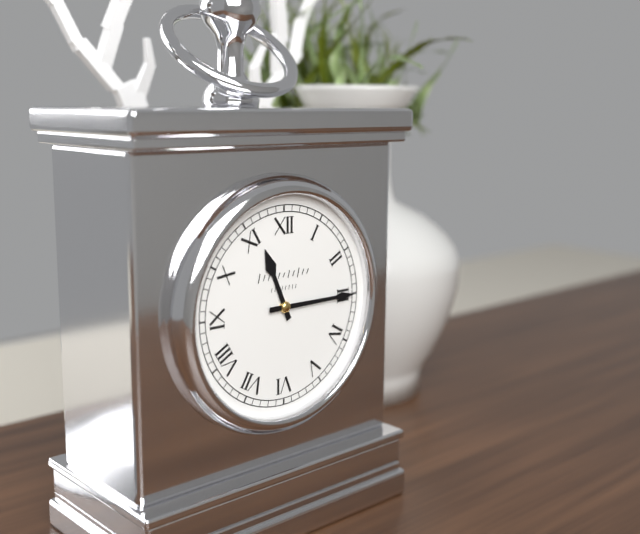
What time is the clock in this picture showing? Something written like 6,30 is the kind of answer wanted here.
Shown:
11,15
